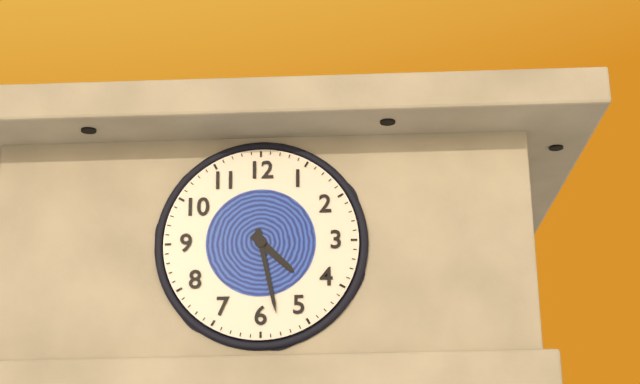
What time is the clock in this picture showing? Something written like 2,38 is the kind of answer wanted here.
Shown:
4,28
